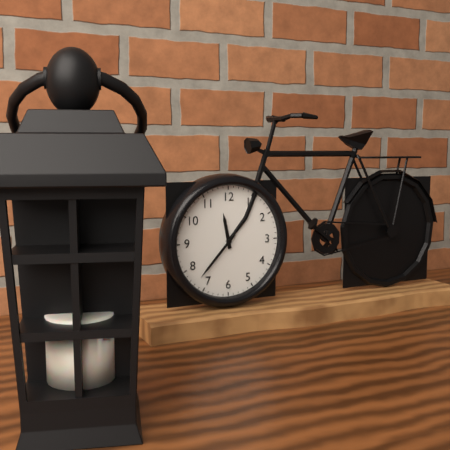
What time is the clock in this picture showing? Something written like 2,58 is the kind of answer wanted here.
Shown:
11,37
